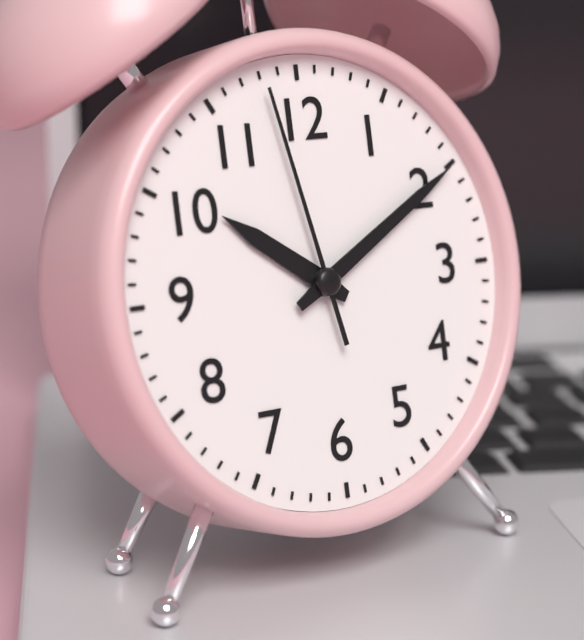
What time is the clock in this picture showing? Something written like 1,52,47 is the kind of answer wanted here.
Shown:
10,10,58
